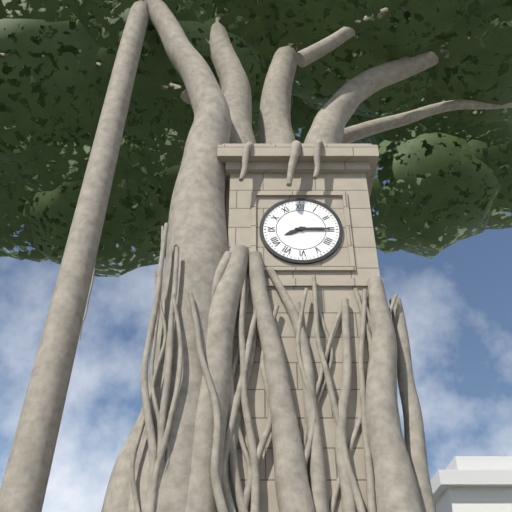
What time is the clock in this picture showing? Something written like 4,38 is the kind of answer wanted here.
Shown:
8,15
